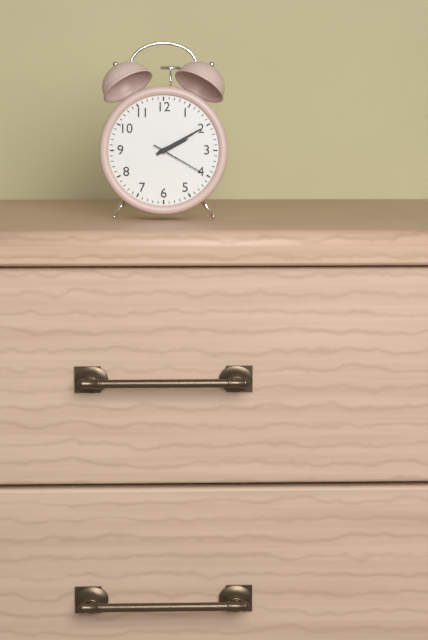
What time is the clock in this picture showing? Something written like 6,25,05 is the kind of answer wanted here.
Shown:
2,10,20
